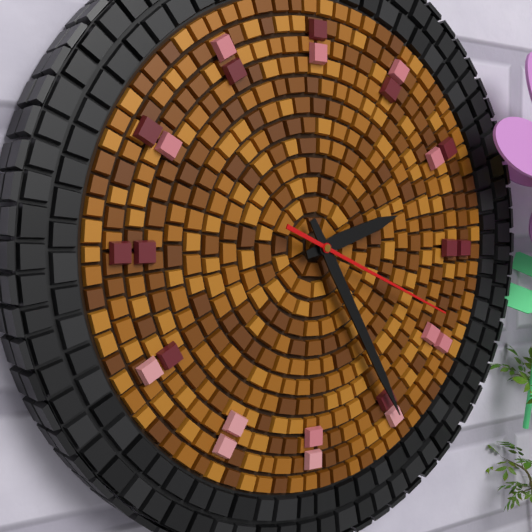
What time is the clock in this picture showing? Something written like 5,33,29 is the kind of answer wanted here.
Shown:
2,25,19
